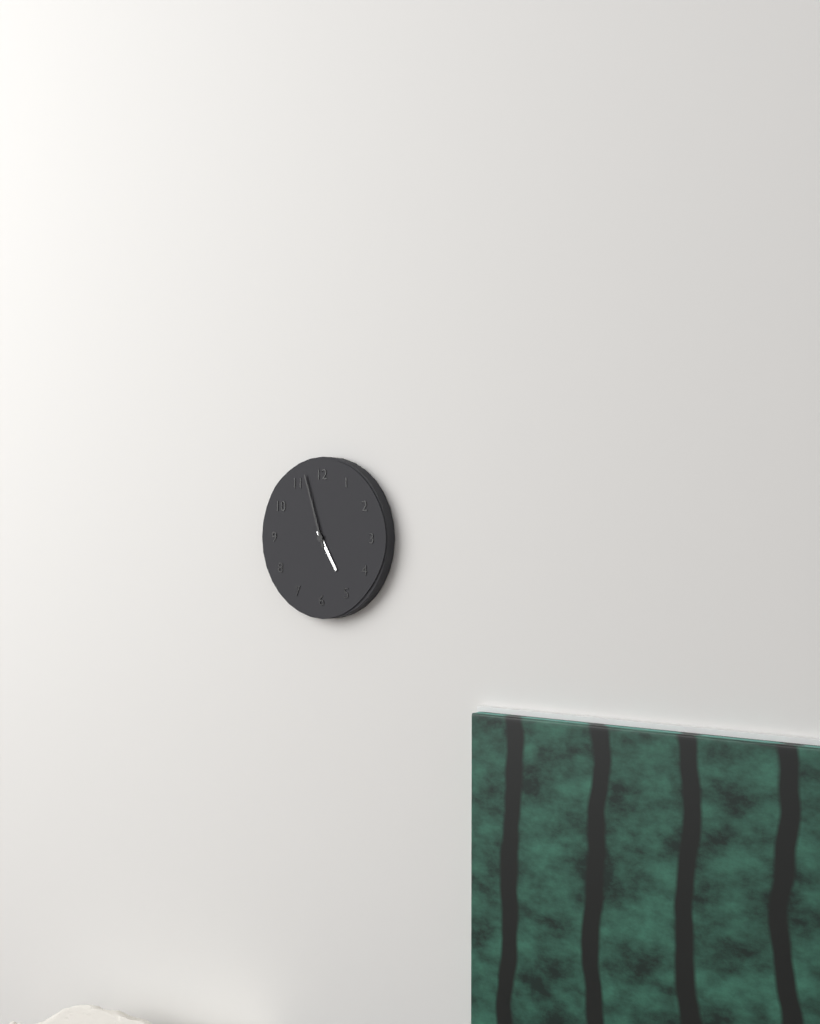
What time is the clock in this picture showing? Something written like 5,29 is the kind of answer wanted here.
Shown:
4,57
